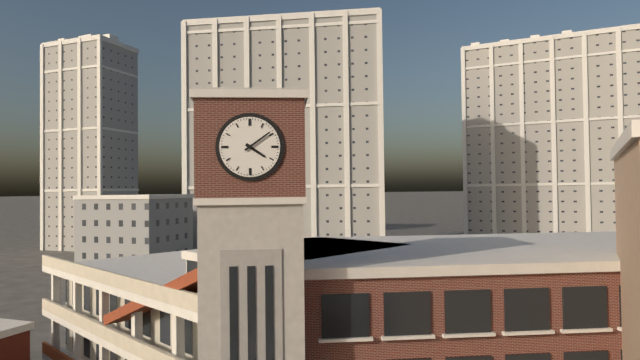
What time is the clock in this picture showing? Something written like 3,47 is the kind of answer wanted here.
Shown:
4,09
